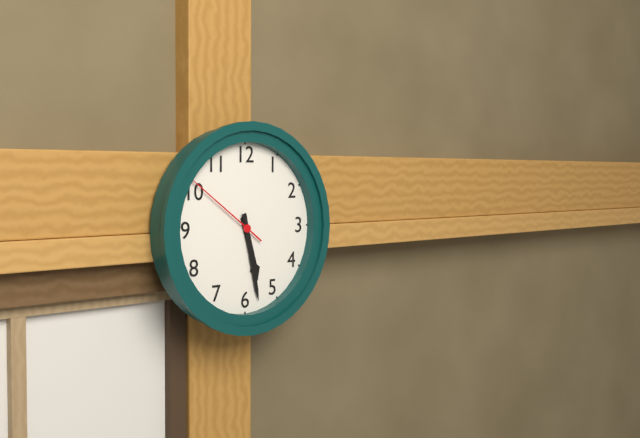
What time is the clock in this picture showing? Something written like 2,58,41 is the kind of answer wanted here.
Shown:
5,28,51
